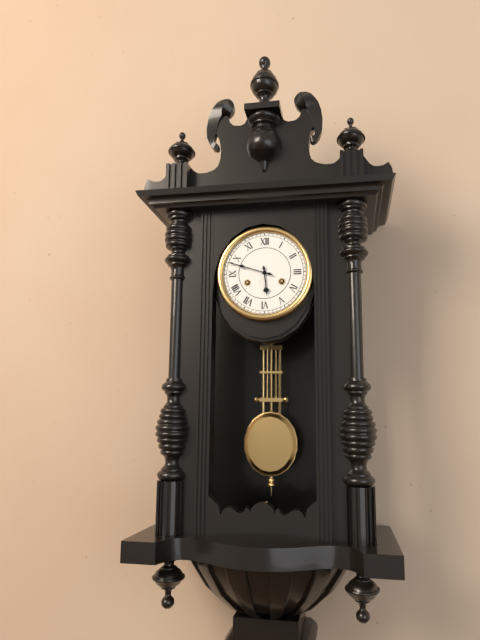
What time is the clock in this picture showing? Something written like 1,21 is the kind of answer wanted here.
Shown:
5,48
